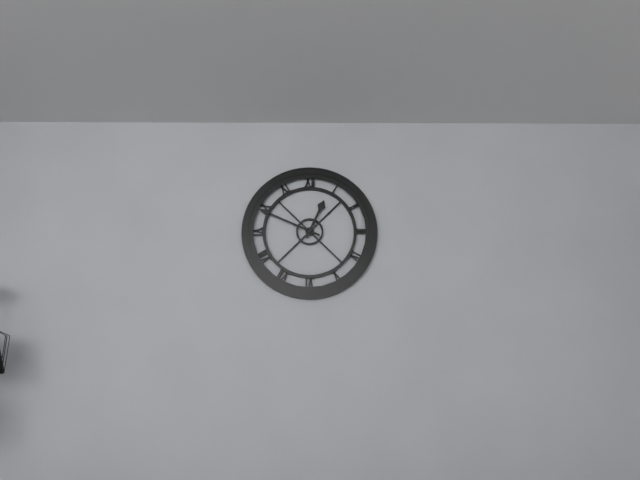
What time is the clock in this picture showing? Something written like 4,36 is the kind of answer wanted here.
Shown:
12,49
